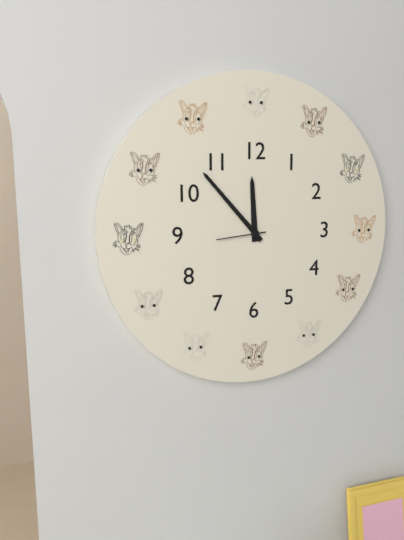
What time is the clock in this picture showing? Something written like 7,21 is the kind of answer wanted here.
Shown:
11,53
